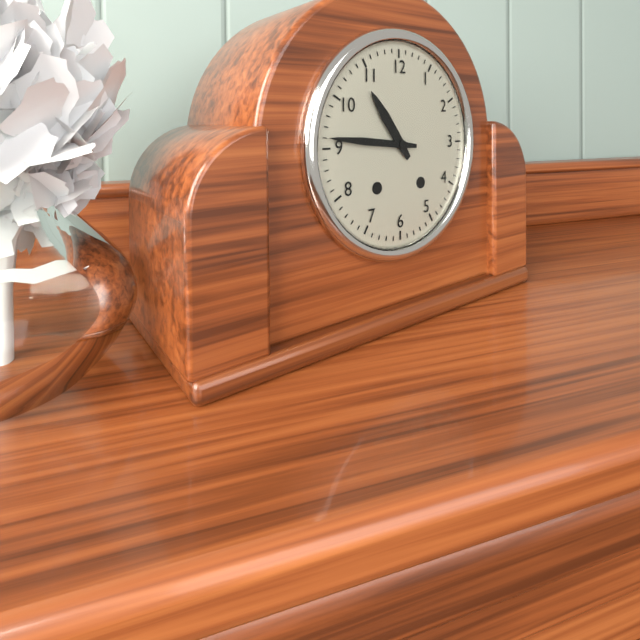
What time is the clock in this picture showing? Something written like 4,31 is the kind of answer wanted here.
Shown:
10,46
